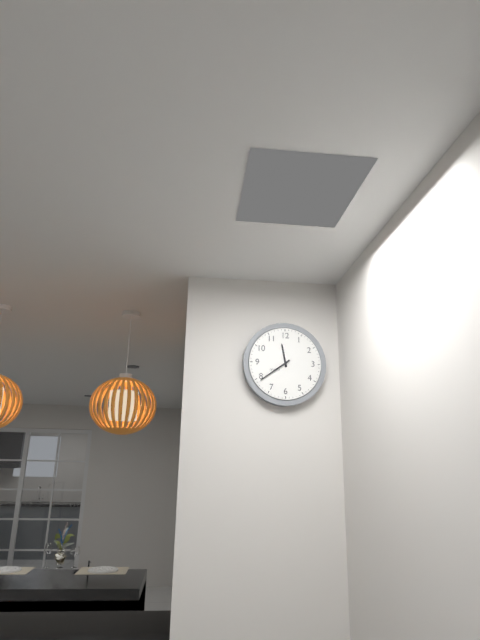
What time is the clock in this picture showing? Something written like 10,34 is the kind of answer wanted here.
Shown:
11,39
